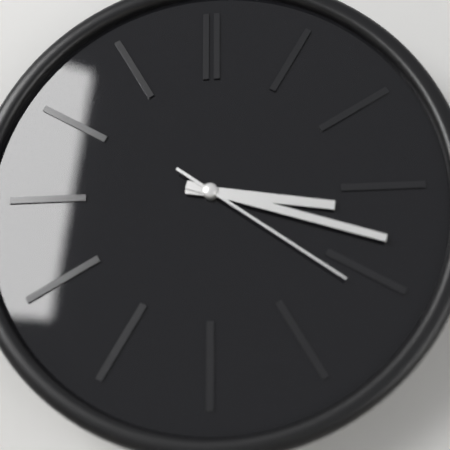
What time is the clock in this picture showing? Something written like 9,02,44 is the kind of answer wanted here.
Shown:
3,18,21
